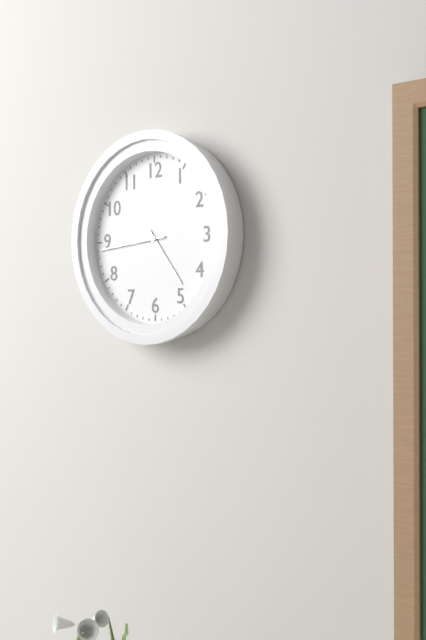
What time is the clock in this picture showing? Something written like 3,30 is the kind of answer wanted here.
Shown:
4,44
